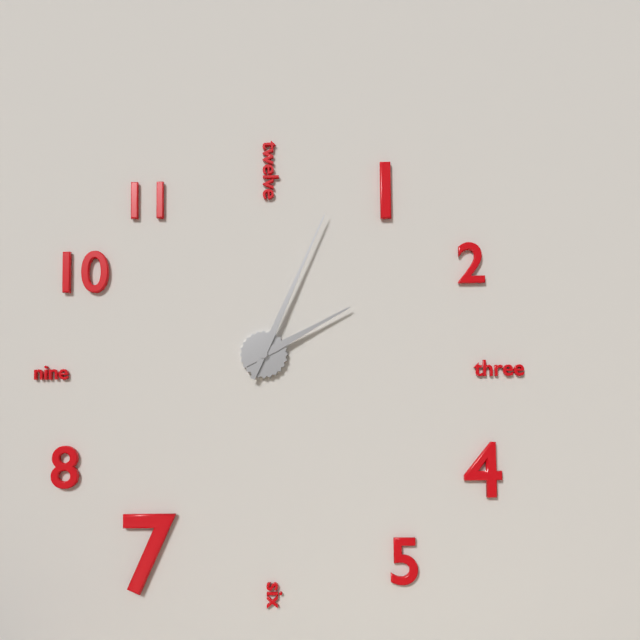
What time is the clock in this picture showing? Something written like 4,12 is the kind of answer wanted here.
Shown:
2,04
